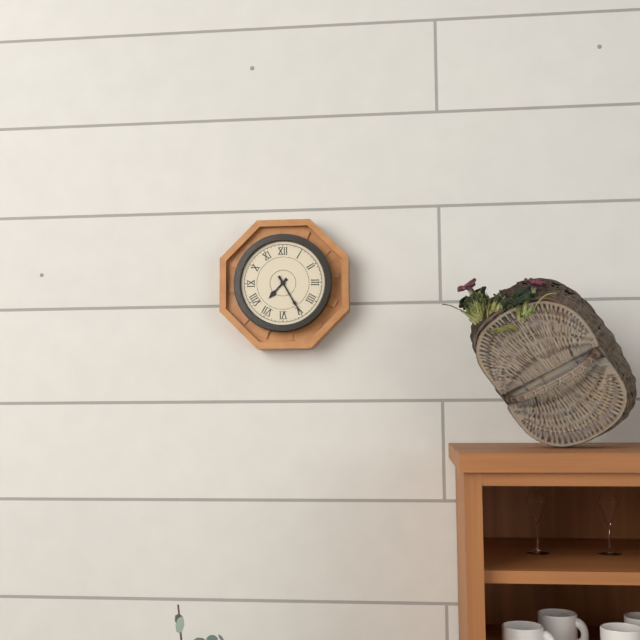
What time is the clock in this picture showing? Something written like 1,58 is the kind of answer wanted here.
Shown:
7,25
